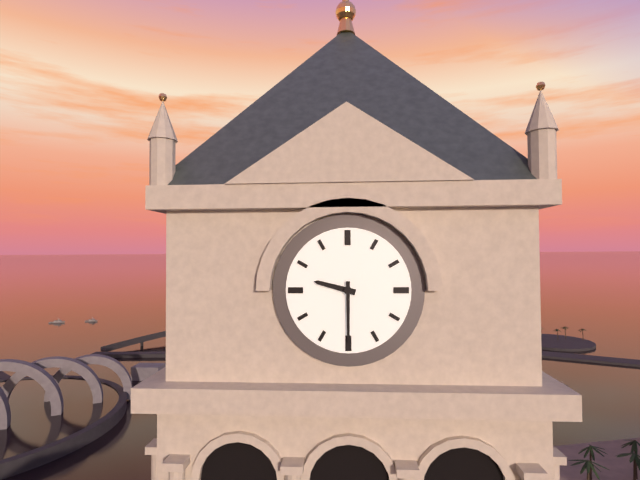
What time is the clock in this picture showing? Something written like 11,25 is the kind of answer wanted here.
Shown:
9,30
